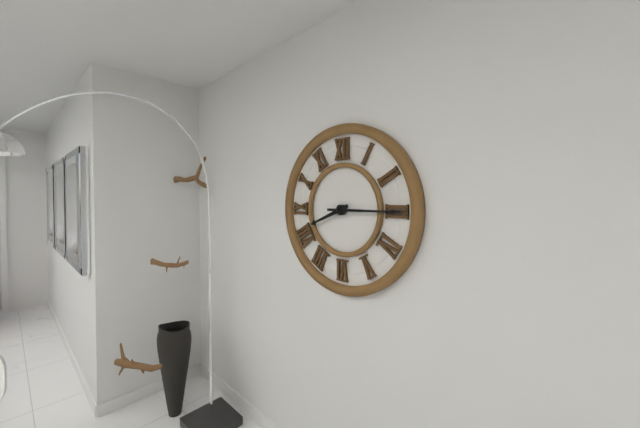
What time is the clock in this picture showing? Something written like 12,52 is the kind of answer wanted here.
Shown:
8,15
